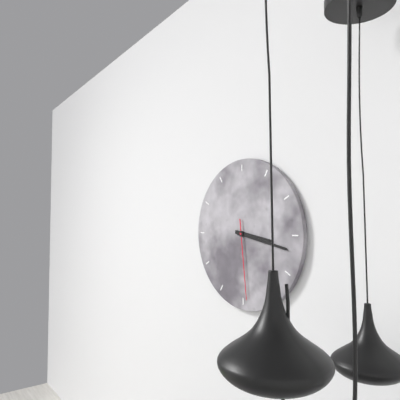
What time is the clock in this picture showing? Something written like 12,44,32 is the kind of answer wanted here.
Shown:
3,17,29
